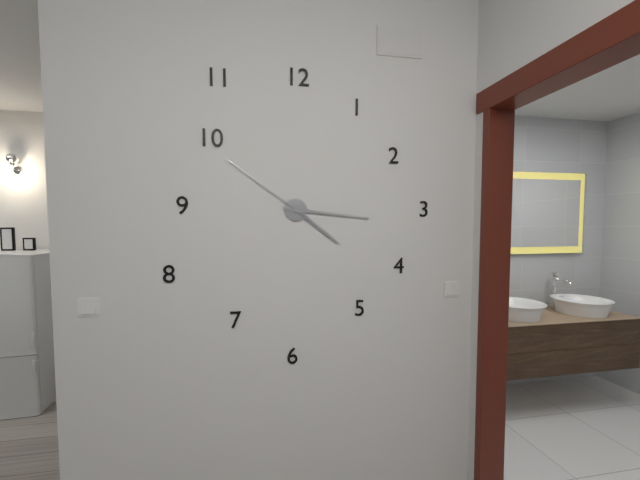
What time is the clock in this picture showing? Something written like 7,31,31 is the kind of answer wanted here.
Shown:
4,16,51
